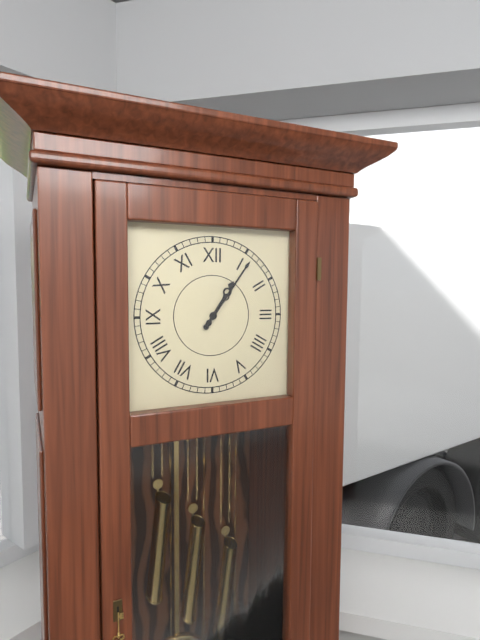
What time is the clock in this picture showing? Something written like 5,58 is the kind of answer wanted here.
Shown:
1,06
